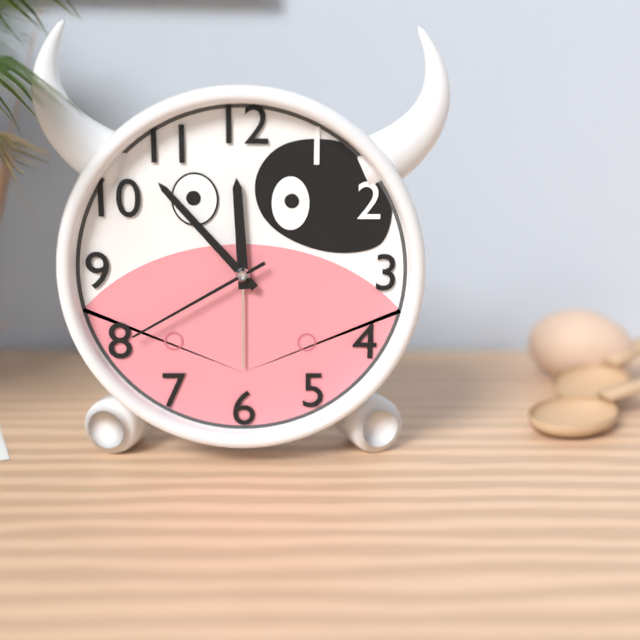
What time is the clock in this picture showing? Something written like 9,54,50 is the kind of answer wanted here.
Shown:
11,53,40
